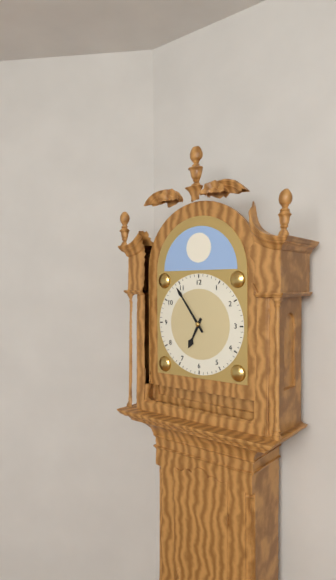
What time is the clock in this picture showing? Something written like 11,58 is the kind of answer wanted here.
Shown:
6,54
